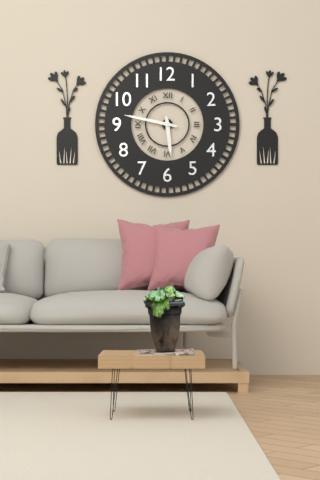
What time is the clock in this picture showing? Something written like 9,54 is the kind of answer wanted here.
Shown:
5,47
